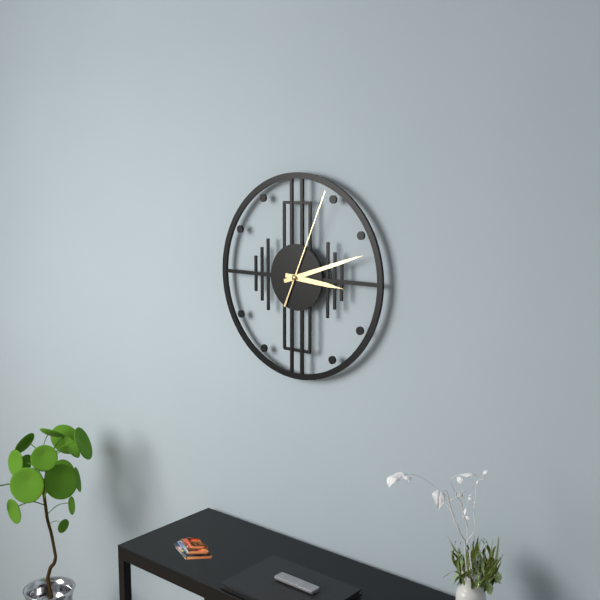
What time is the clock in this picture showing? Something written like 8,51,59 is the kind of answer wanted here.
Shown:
3,12,04
